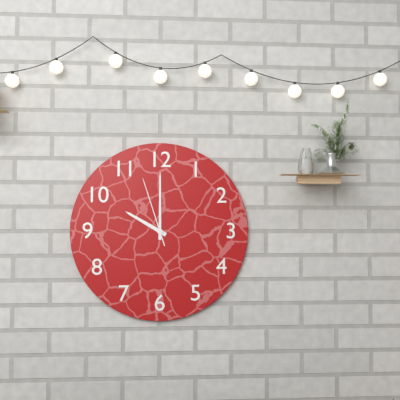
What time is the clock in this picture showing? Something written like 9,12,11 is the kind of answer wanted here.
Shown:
10,00,57
